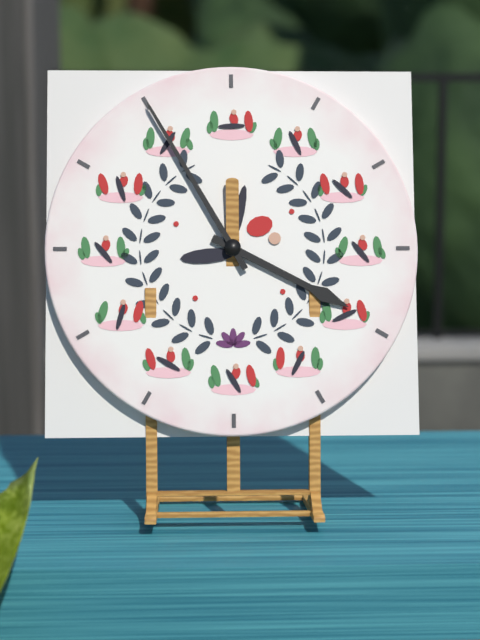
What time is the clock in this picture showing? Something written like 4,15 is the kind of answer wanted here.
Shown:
3,55
